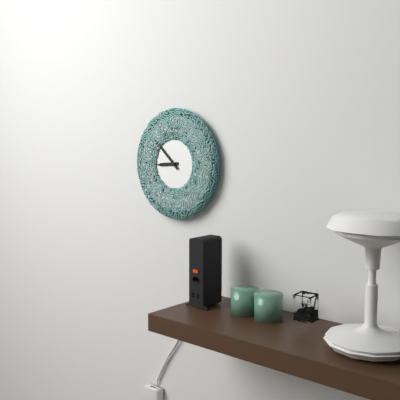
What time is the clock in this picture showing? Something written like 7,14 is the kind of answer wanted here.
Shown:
8,52
